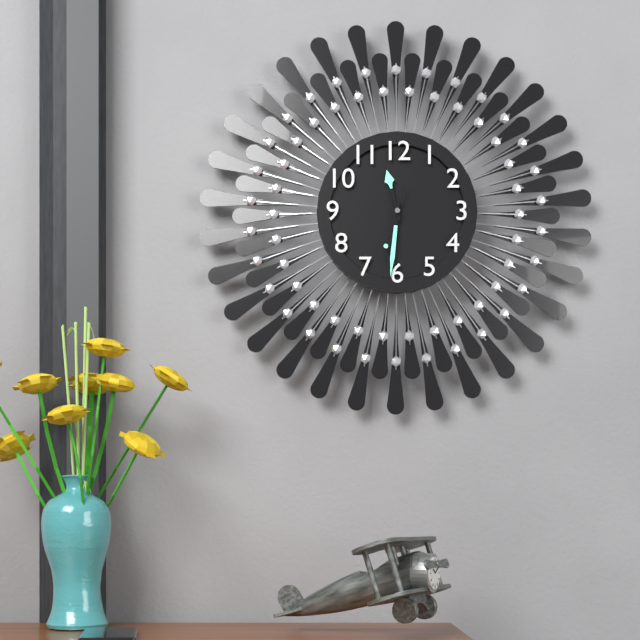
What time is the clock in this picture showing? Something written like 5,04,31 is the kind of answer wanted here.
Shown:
11,31,33
